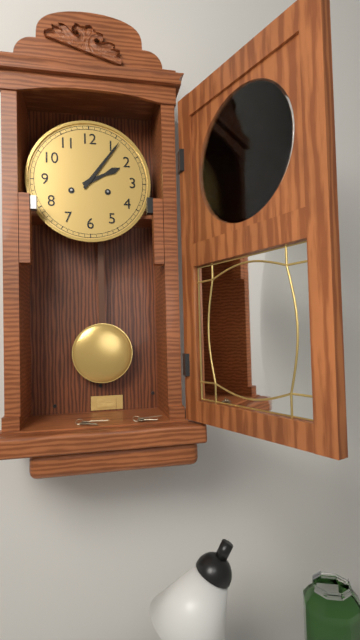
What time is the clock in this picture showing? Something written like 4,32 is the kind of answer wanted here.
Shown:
2,06
